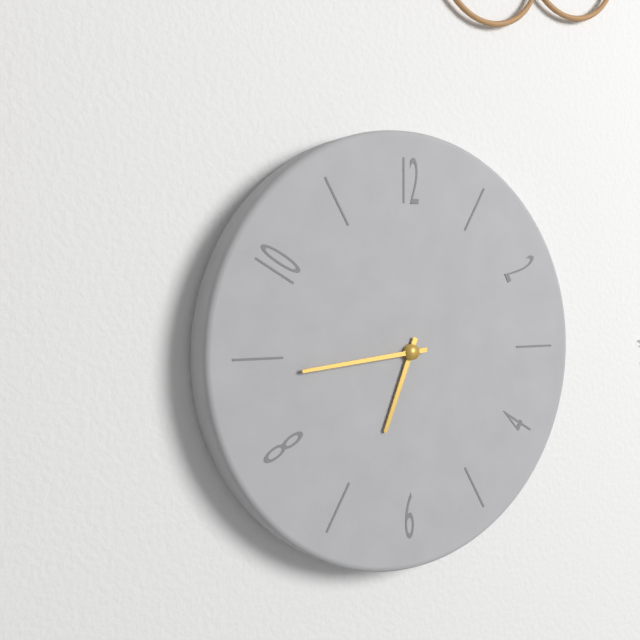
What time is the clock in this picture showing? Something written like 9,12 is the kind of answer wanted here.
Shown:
6,44
